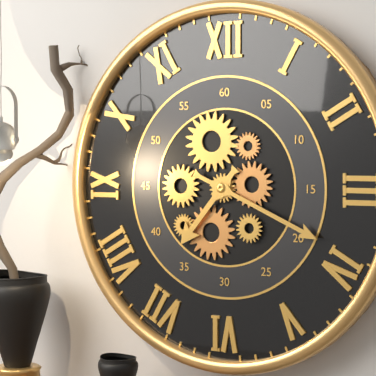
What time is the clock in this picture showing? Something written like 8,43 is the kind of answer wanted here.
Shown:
7,19
